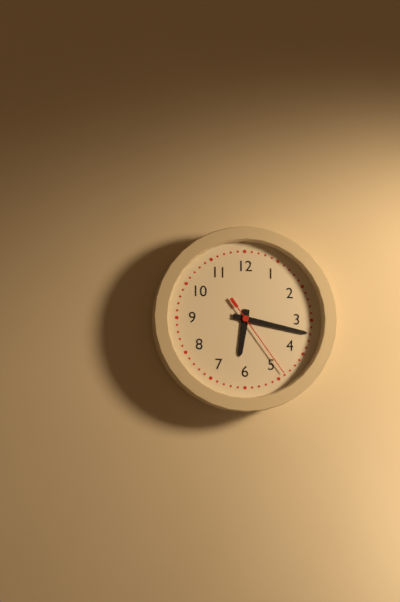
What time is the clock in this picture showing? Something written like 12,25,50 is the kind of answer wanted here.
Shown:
6,17,24
